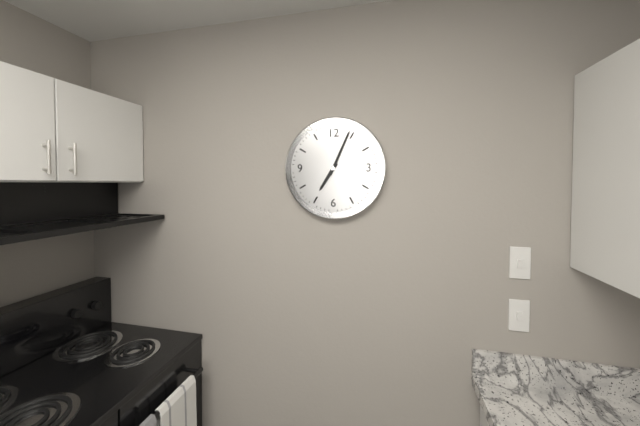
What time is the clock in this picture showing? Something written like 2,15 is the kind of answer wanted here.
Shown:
7,04
